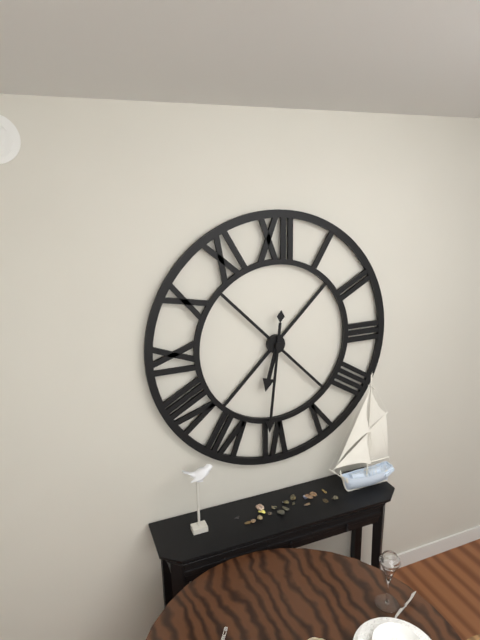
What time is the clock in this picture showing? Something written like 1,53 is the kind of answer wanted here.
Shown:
6,31
